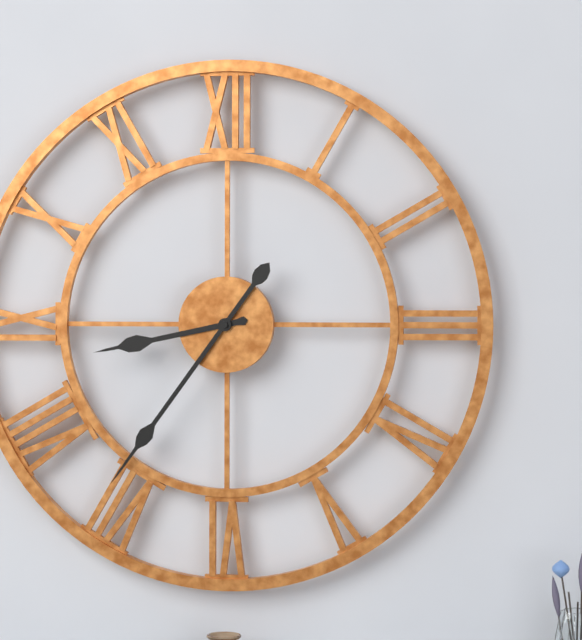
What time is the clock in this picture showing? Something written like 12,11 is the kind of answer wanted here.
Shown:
8,36
